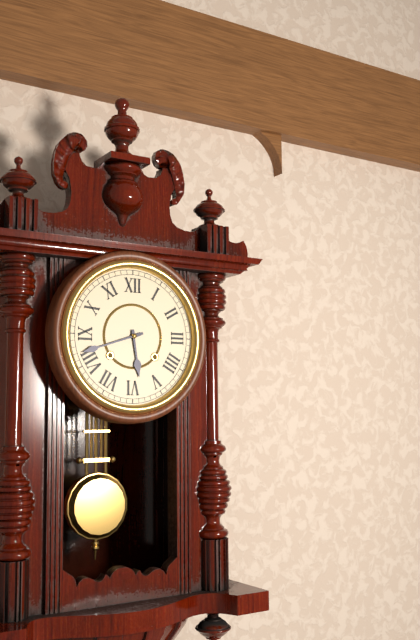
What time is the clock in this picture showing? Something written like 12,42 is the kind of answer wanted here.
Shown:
5,42
